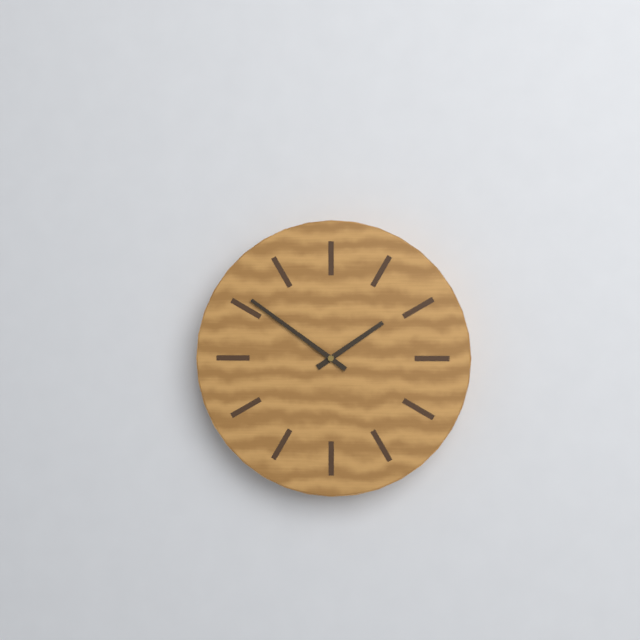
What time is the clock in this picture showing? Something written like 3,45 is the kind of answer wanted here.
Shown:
1,51
